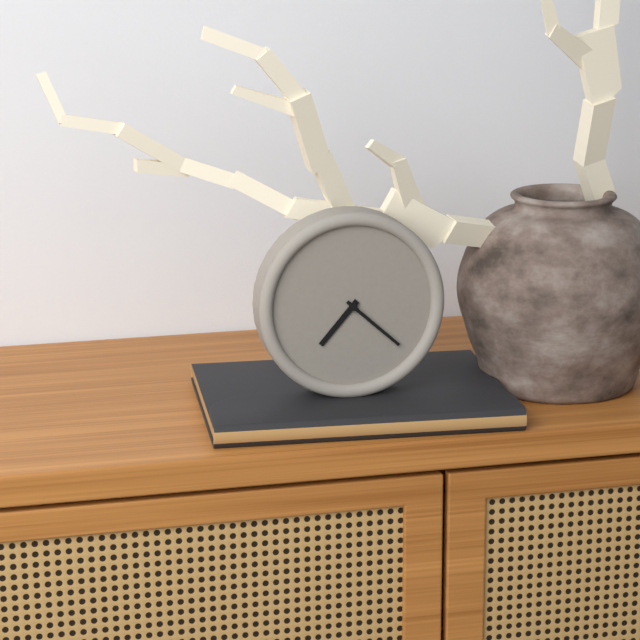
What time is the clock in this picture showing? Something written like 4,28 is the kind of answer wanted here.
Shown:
7,22
